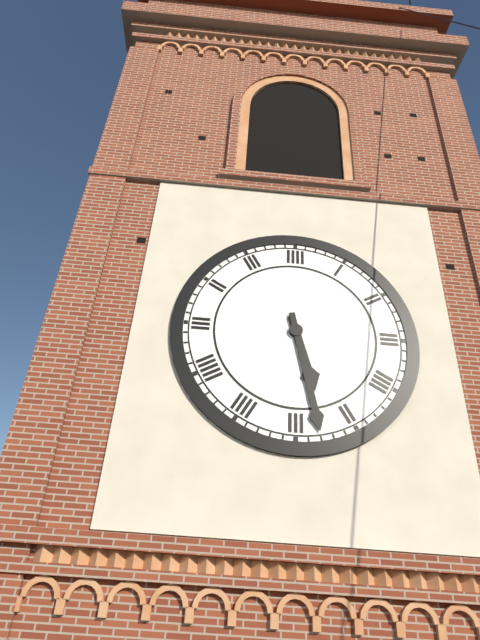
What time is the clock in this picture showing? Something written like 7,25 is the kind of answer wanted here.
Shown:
5,28
